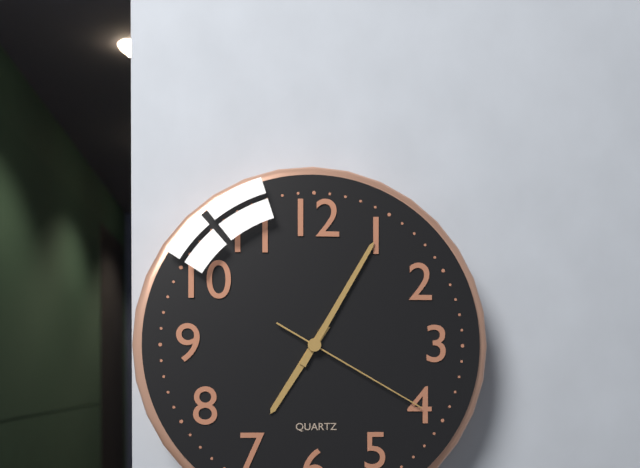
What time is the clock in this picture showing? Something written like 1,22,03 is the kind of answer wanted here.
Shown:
7,05,20
